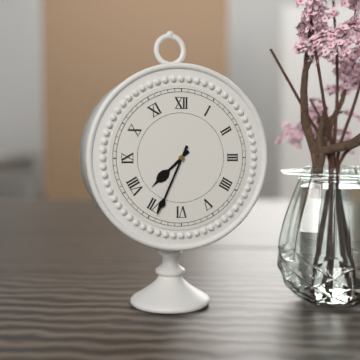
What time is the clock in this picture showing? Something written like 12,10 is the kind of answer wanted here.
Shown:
7,34
